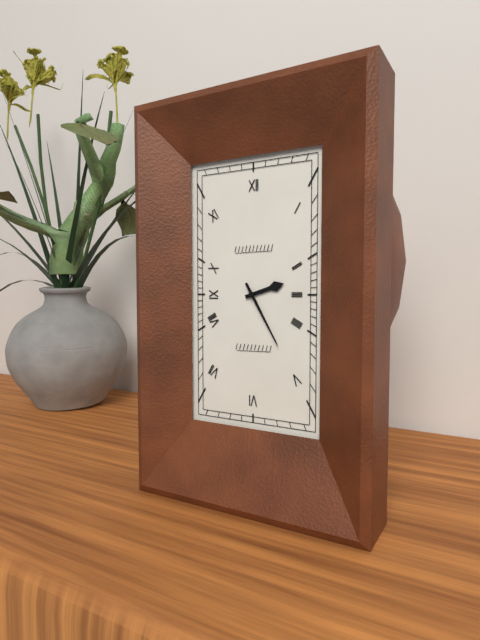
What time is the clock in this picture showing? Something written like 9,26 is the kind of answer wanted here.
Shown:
2,25
